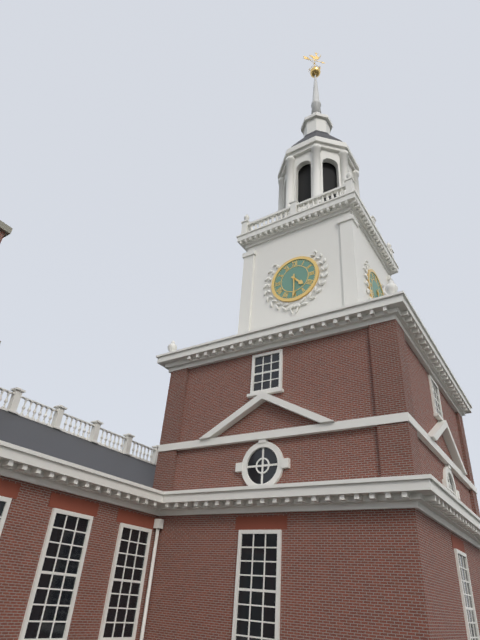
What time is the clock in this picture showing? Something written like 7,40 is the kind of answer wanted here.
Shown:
4,30
